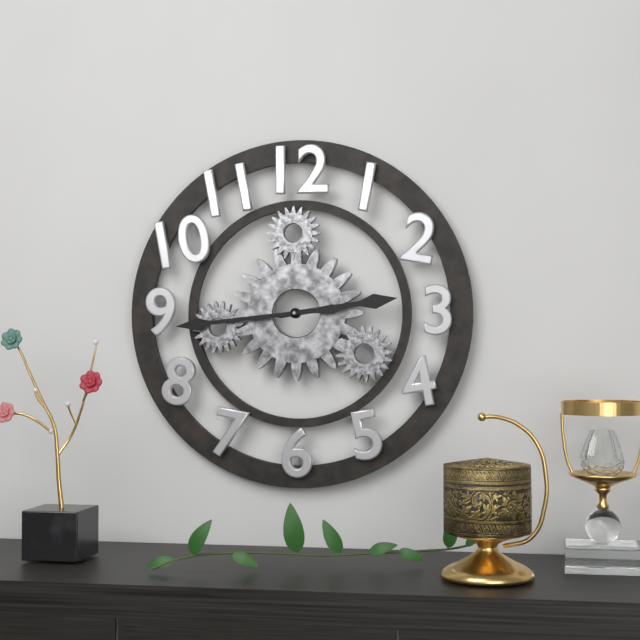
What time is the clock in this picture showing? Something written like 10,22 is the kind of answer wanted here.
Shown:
2,44
